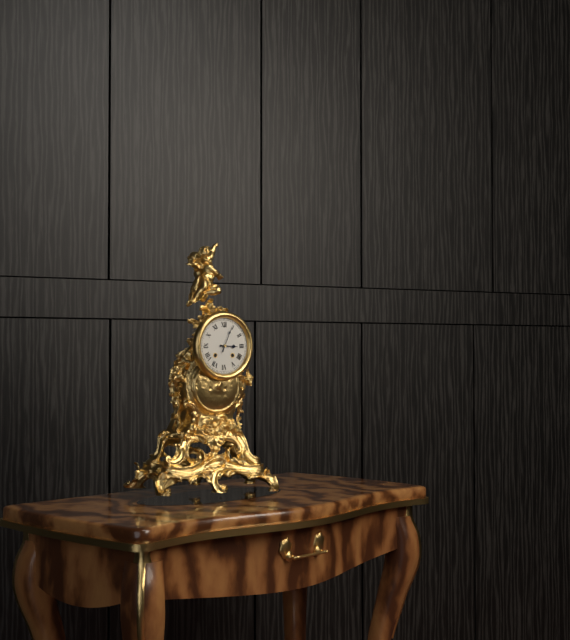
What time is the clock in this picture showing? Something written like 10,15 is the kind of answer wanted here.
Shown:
3,04
